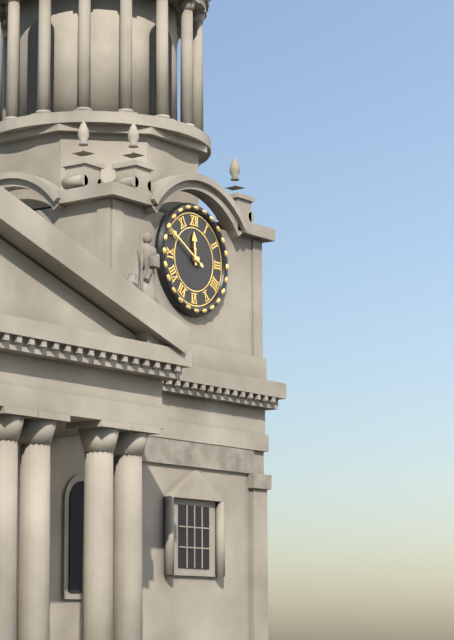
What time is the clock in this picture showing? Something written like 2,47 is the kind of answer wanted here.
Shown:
11,50
